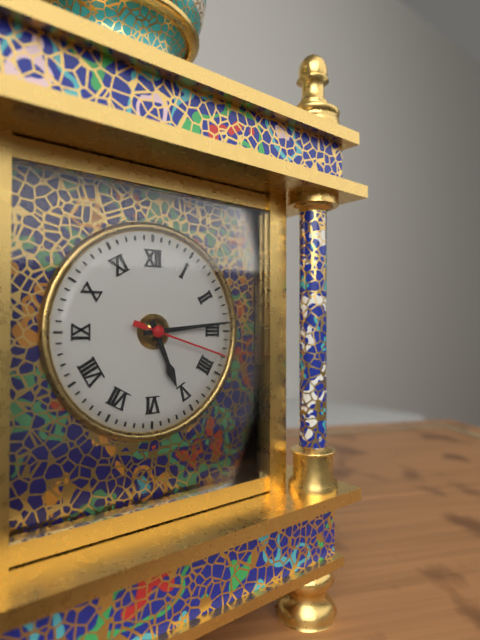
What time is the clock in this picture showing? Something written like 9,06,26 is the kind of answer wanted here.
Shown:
5,14,18
